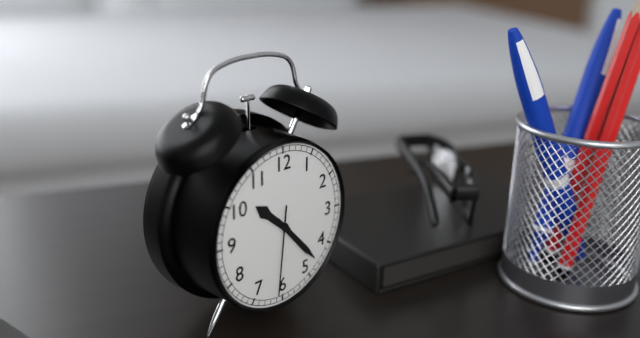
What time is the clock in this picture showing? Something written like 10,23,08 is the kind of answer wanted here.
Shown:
10,23,31
